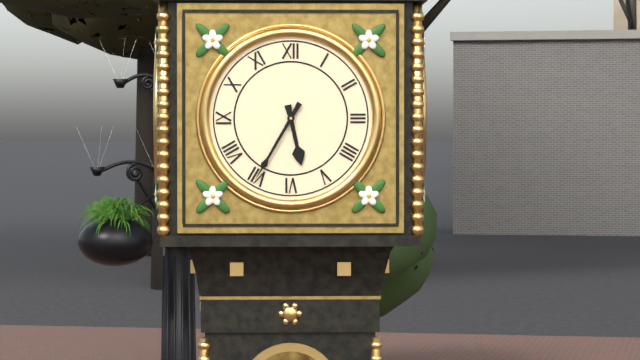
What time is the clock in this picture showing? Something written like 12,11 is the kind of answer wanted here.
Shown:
5,35
